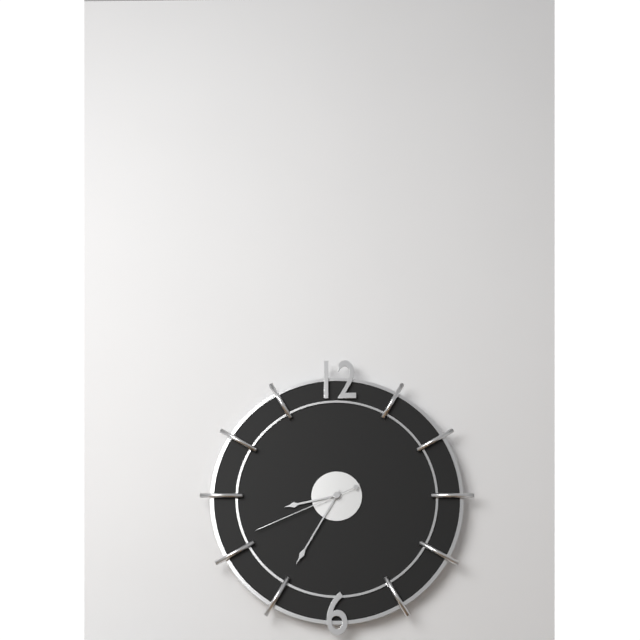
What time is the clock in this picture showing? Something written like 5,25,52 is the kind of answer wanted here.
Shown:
8,35,41
